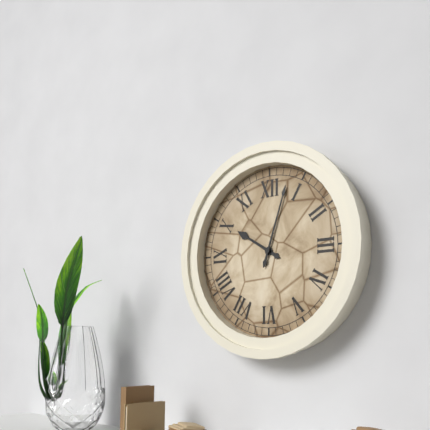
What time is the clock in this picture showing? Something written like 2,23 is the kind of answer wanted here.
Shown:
10,03
